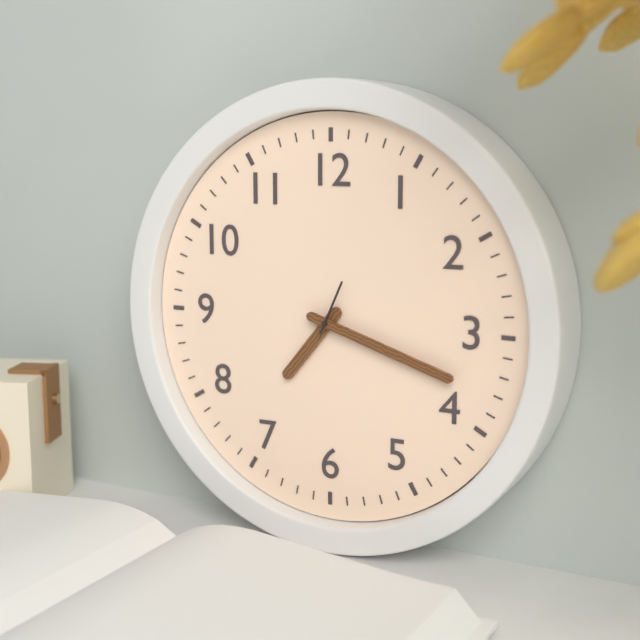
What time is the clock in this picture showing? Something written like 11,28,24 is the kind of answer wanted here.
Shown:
7,18,04
